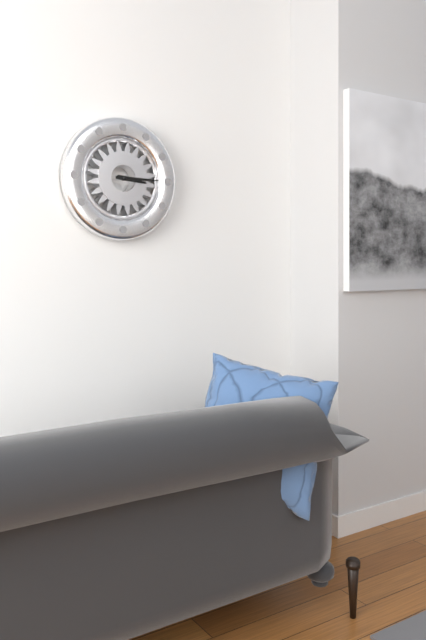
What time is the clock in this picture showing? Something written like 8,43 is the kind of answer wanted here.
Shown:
3,15
